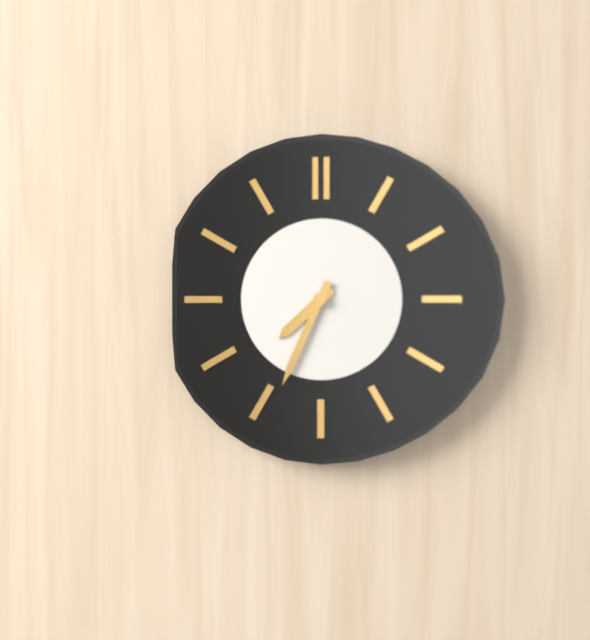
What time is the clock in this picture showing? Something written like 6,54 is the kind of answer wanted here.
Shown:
7,34
